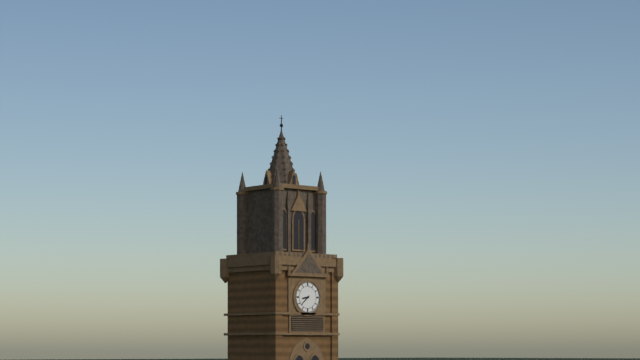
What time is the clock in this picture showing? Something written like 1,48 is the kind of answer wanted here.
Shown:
8,38
